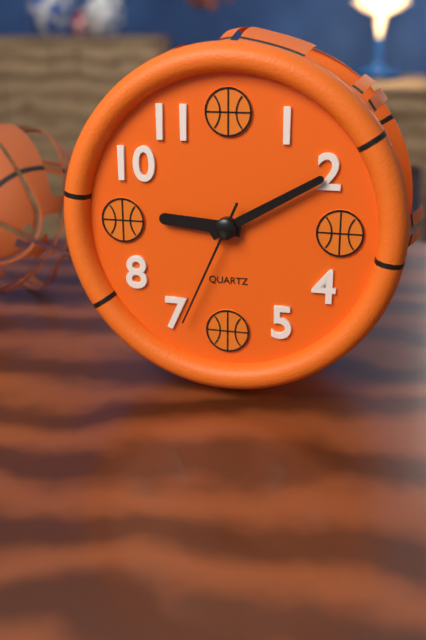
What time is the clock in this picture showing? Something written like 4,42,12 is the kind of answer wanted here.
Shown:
9,10,34
